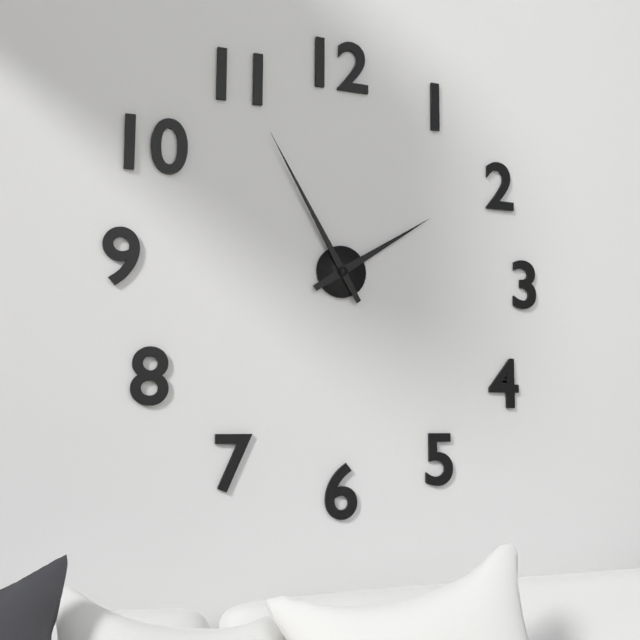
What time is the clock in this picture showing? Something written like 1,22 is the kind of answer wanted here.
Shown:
1,55
